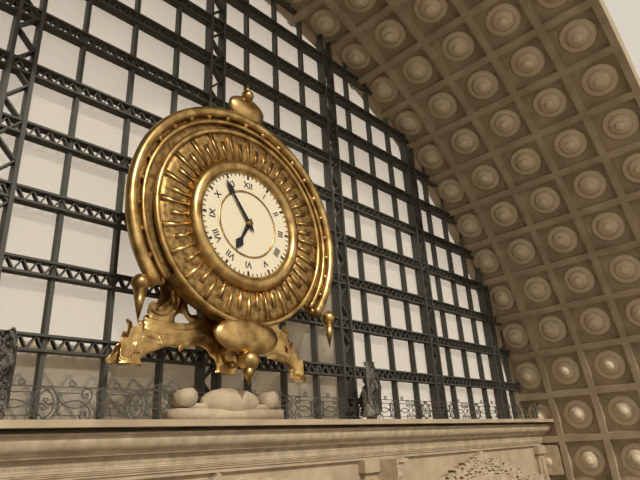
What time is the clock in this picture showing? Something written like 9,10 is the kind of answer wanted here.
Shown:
6,54
